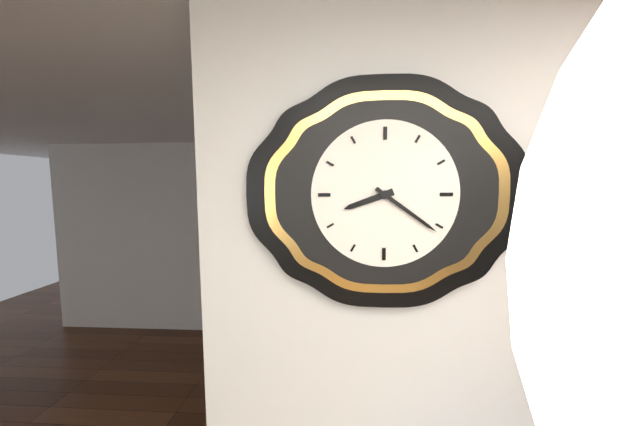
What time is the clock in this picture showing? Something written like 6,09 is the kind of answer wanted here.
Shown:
8,21
